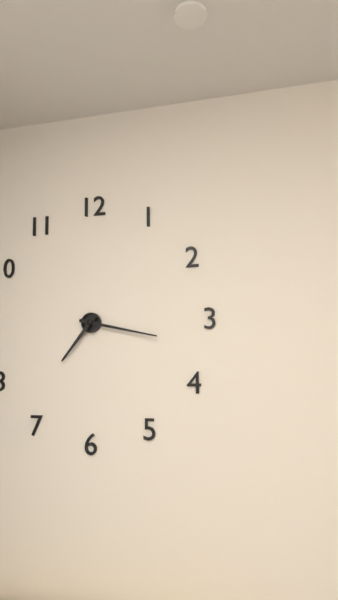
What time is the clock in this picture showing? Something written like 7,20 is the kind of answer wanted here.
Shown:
7,17
